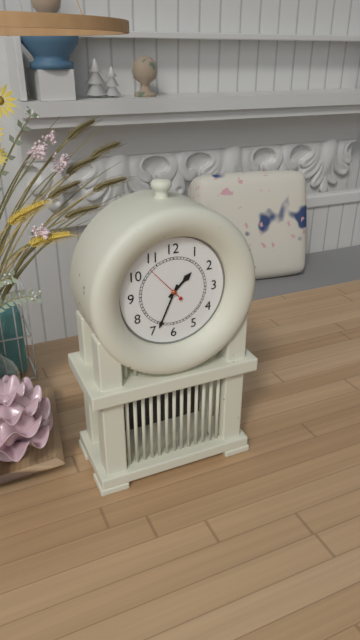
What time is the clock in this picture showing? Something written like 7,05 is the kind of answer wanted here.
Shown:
1,34
